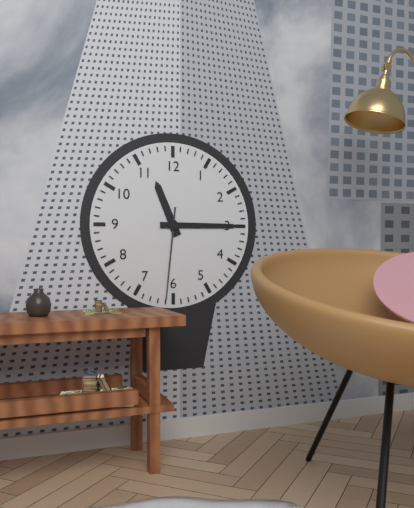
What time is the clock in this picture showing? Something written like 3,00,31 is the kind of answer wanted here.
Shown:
11,15,31
